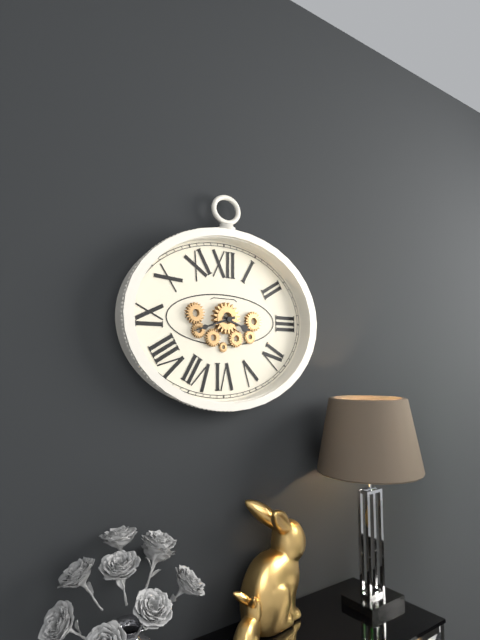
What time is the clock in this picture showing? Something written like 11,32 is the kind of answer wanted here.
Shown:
3,42
